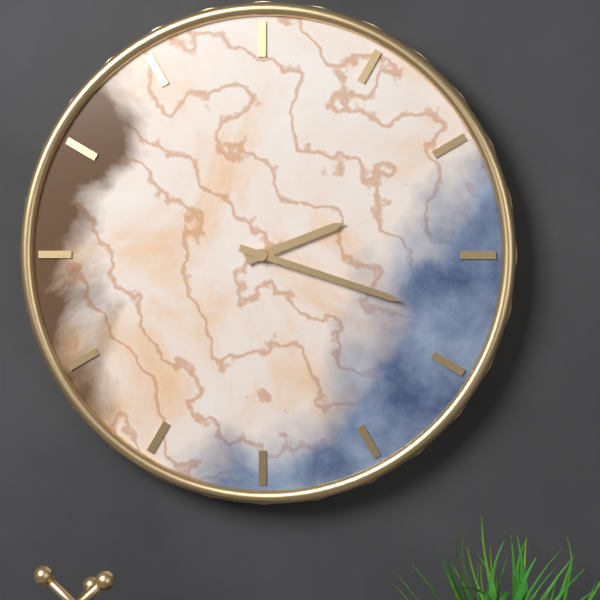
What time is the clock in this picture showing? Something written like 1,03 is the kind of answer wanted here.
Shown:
2,18
